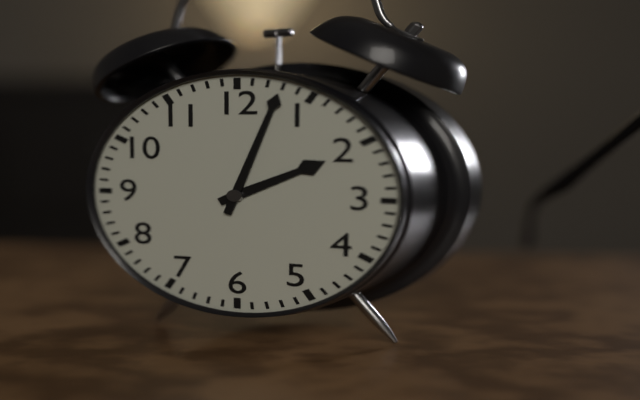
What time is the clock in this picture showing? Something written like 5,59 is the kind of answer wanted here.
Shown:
2,03
